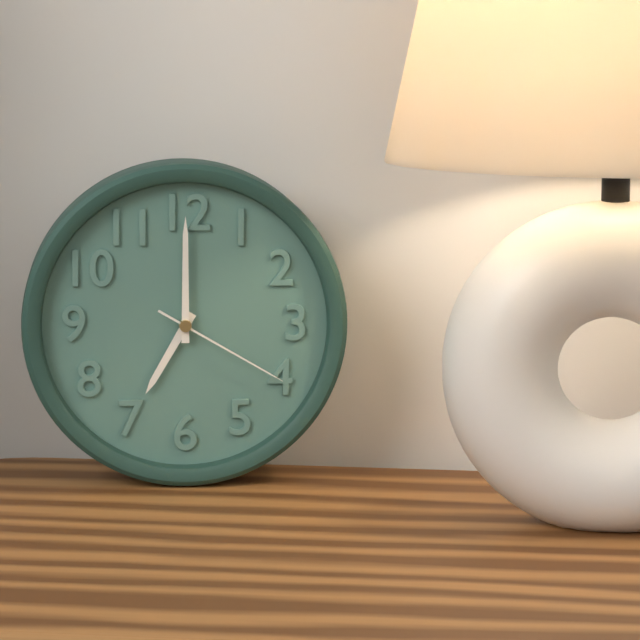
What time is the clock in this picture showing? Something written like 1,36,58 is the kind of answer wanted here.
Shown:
7,00,20
